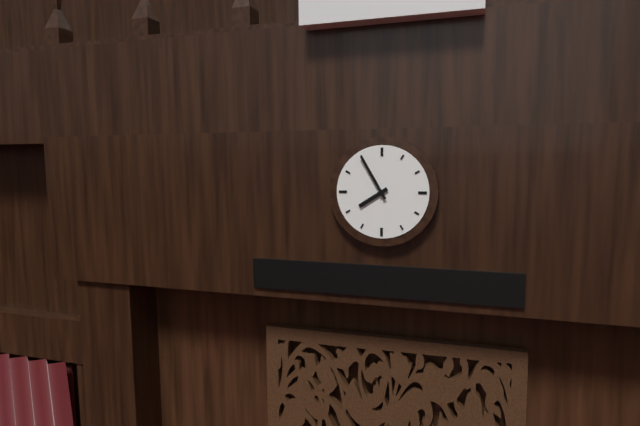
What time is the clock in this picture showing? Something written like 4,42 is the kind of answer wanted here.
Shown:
7,55
